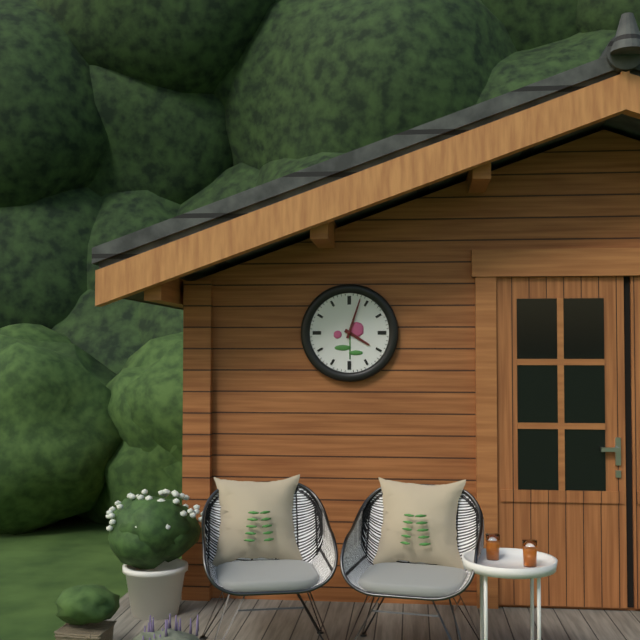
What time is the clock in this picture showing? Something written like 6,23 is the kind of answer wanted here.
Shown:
4,03
